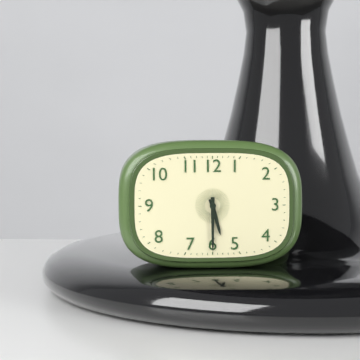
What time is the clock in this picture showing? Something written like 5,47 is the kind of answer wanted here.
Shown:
5,30
